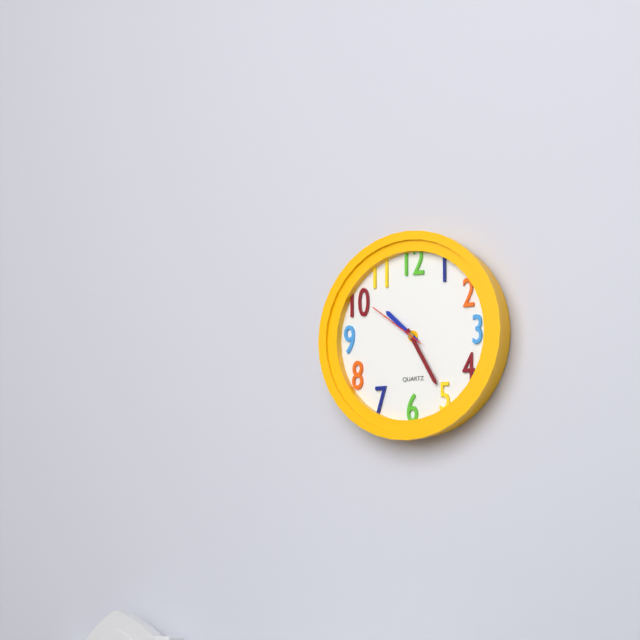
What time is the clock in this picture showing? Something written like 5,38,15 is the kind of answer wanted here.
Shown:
10,25,51
